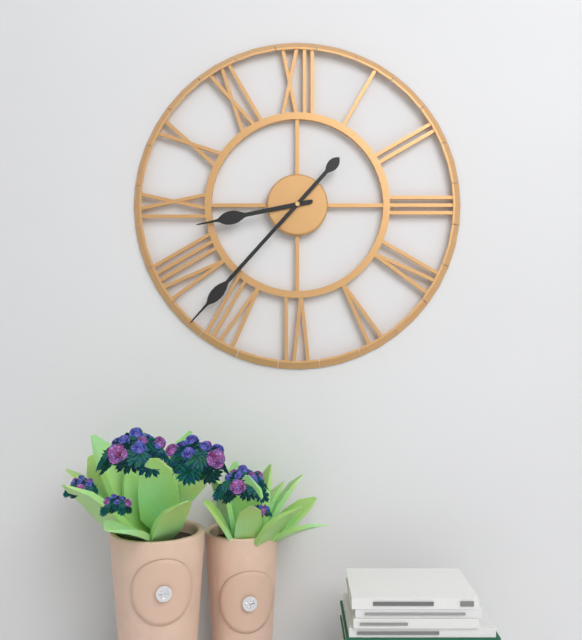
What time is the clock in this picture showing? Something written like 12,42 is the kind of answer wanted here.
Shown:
8,37
